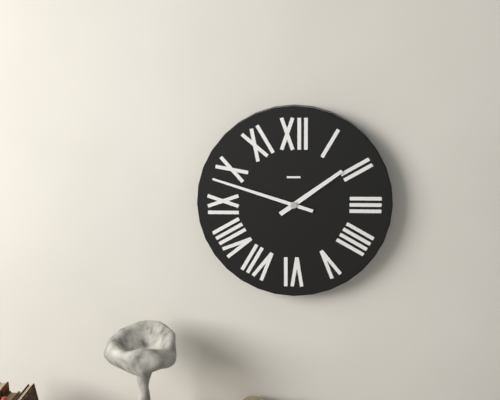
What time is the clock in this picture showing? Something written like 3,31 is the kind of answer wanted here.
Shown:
1,48
